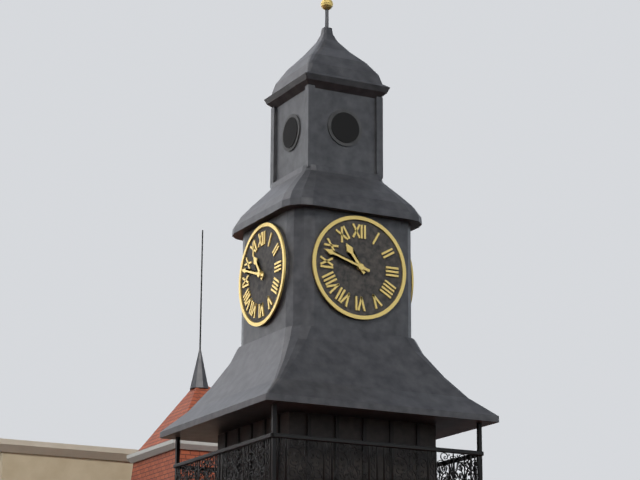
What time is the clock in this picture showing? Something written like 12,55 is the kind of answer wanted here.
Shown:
10,48
